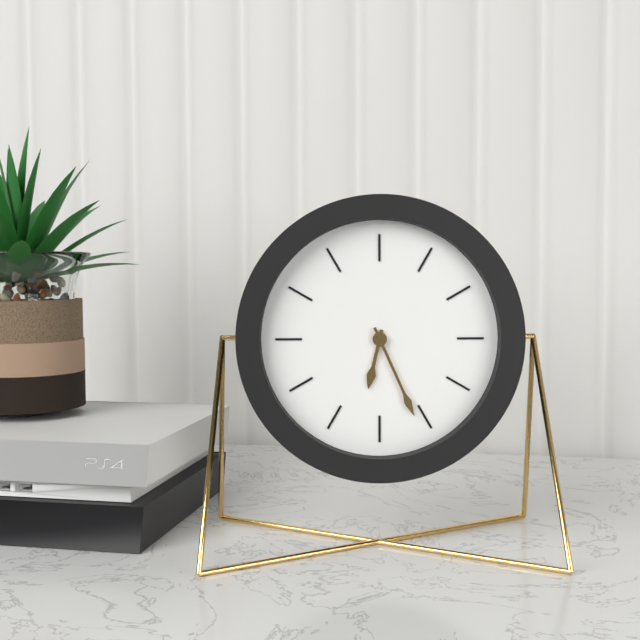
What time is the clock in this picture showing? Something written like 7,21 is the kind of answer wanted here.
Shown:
6,26
